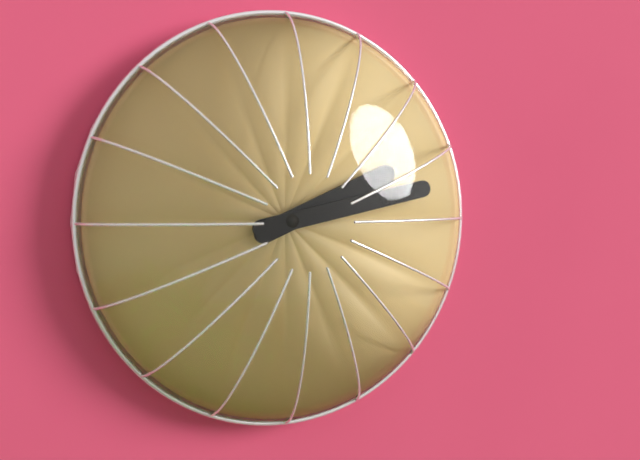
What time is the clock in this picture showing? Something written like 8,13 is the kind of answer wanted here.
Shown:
2,13
